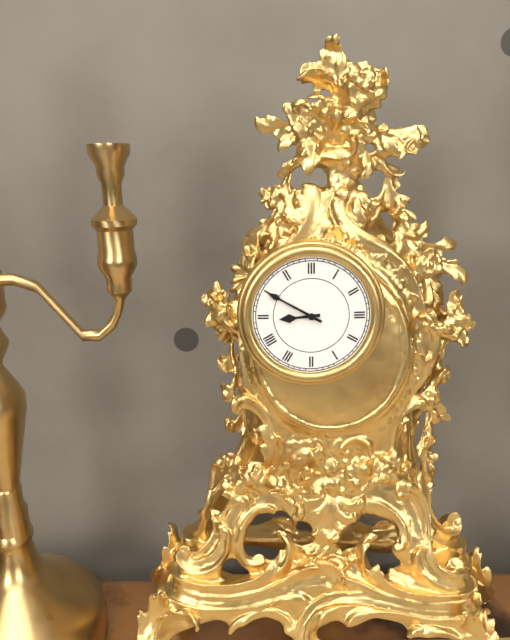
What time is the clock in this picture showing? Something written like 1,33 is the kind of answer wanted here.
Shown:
8,50
